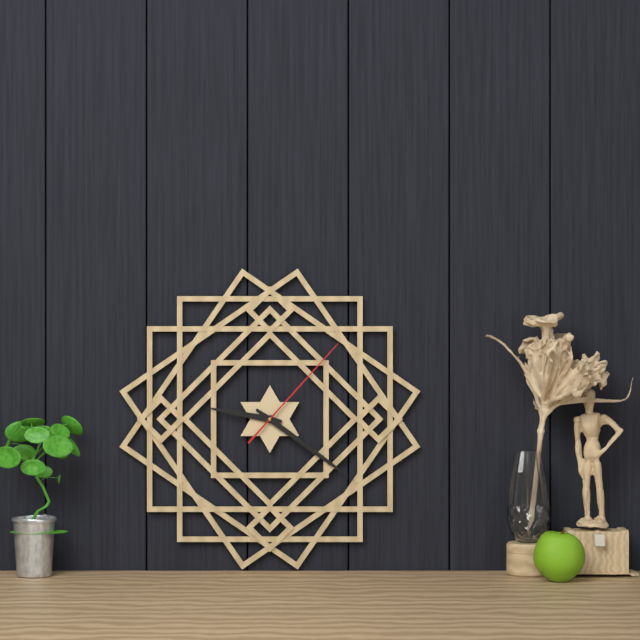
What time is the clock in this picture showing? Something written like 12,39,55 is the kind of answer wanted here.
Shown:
9,21,07
